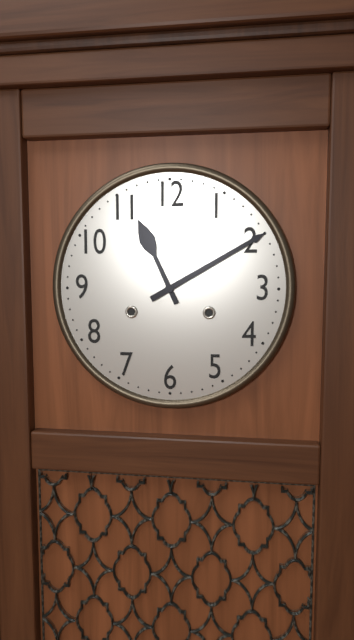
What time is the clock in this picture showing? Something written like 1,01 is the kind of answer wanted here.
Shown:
11,10
